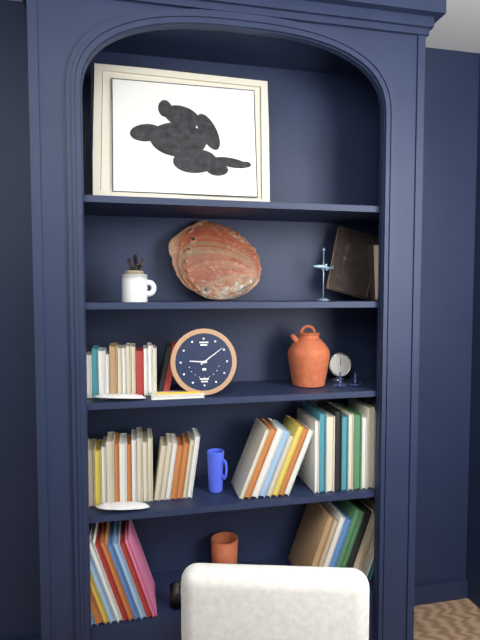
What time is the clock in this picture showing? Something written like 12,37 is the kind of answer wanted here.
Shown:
9,09
